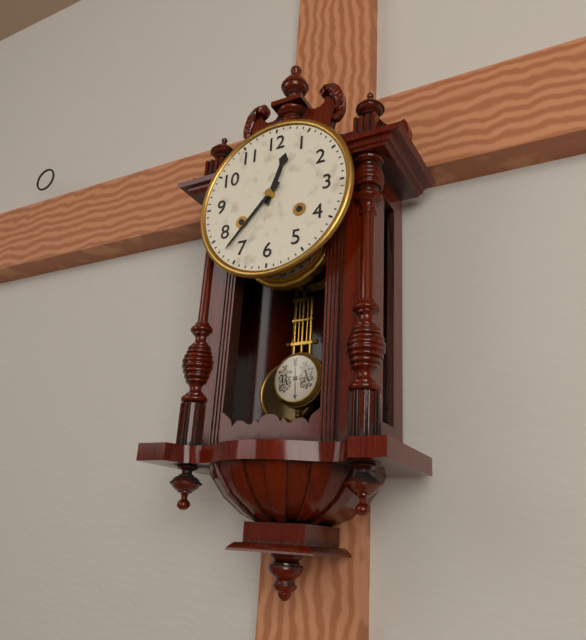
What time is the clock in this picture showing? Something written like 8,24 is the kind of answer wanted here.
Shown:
12,37
